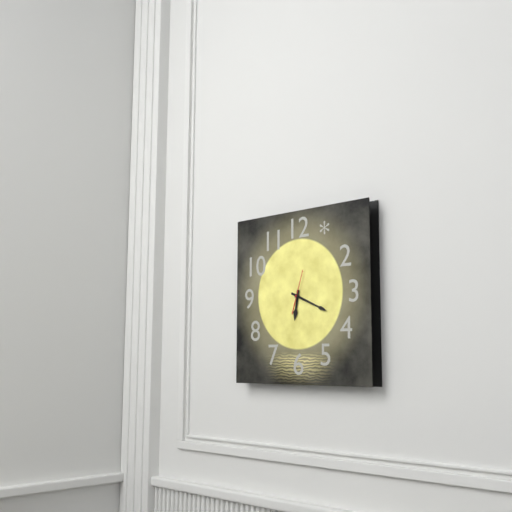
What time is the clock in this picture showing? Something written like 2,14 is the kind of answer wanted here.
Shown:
6,19
